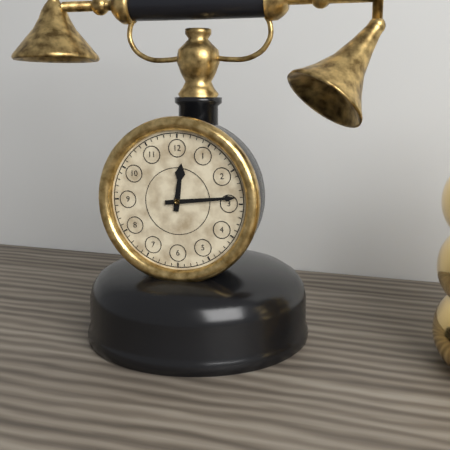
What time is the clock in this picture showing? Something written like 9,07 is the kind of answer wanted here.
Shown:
12,14
